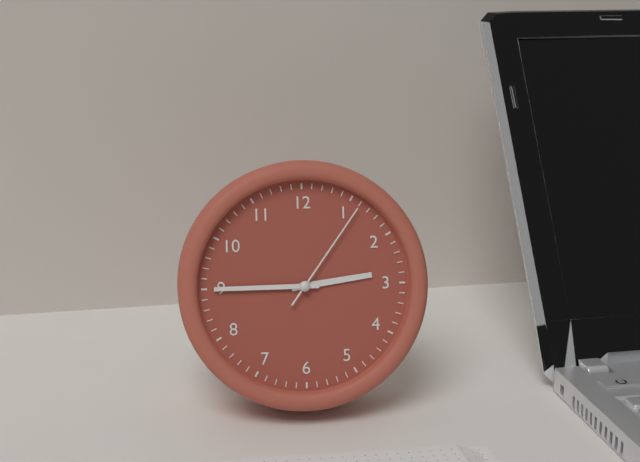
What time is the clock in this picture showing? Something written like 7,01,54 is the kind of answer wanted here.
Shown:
2,45,06
